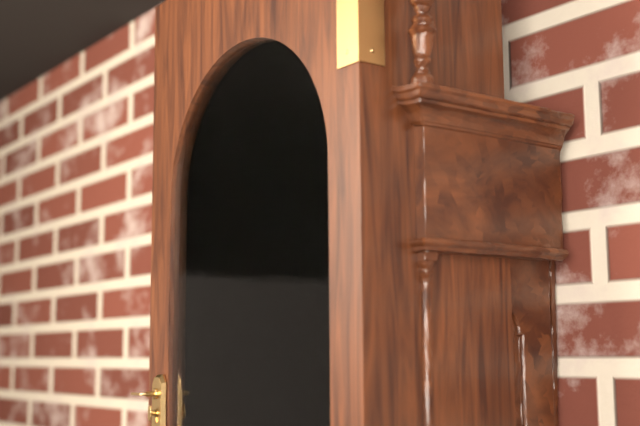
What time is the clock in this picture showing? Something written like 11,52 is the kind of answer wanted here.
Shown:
1,03
